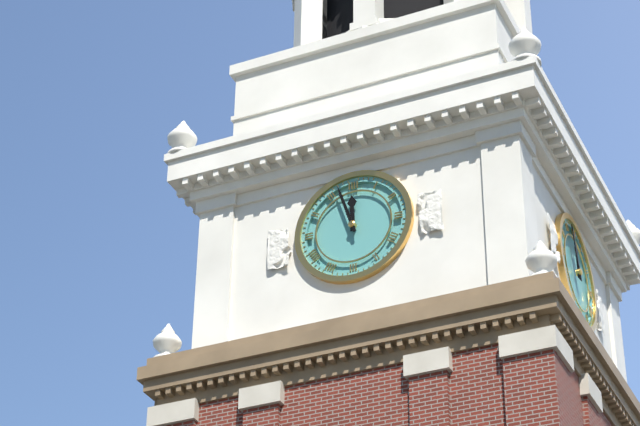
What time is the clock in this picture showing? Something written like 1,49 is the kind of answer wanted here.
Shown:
11,57
